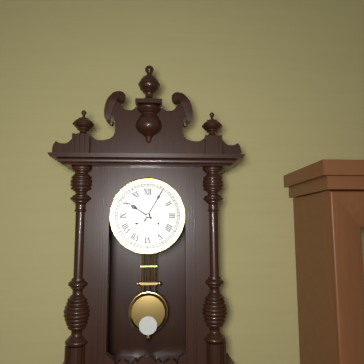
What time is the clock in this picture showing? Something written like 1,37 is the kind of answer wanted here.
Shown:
10,05
